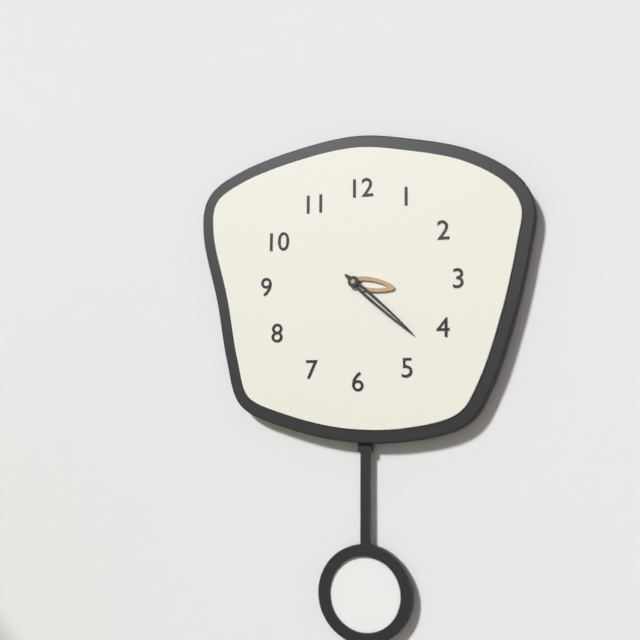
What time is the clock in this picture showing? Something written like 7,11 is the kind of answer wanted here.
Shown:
3,22
